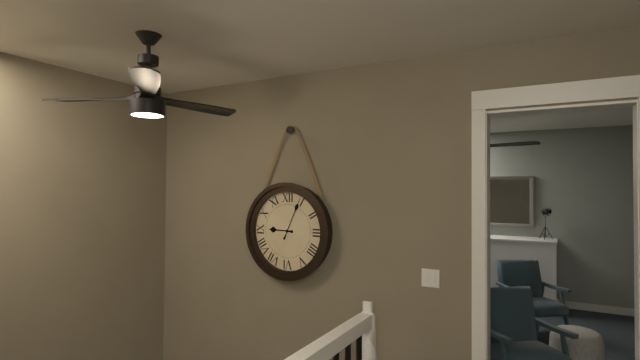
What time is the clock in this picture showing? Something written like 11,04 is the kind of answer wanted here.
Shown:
9,04
